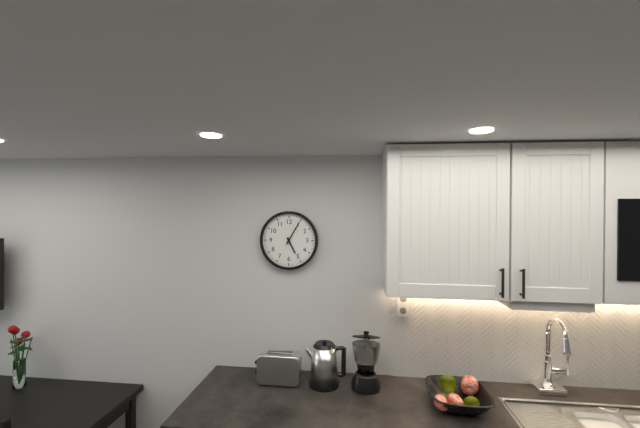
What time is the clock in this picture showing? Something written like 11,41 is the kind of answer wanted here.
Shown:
5,05
